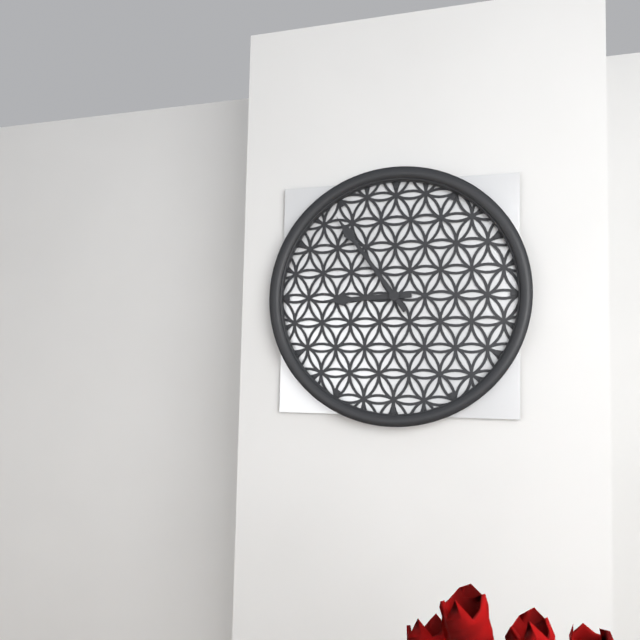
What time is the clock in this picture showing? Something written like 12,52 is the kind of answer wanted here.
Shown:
8,54
